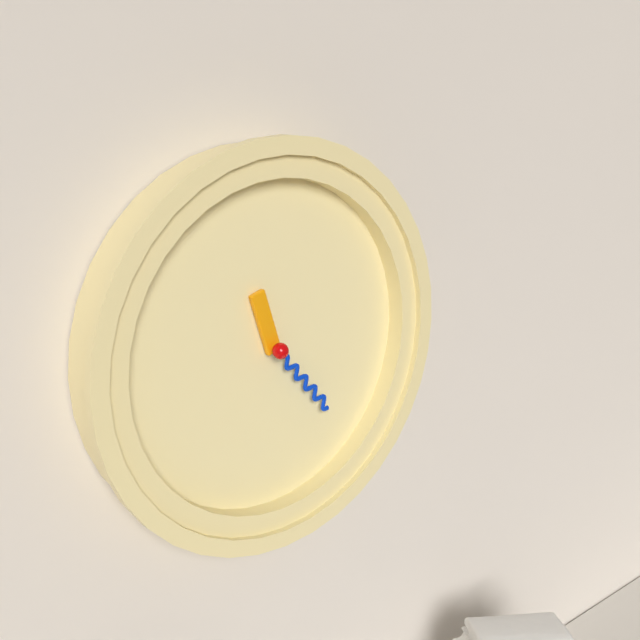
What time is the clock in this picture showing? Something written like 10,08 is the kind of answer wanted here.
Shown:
11,23
